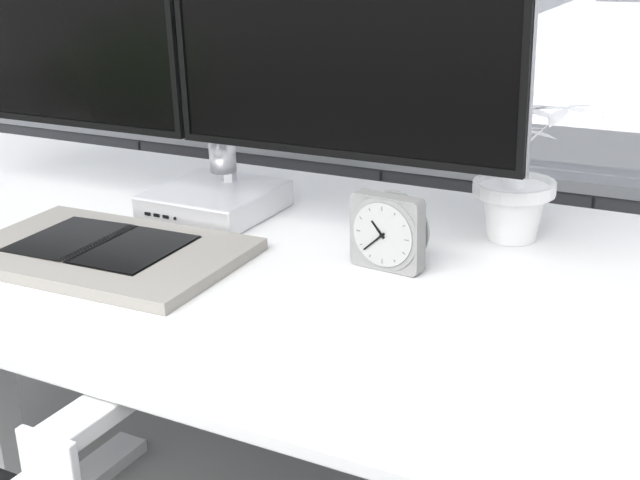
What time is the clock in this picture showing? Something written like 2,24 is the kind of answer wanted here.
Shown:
10,38
